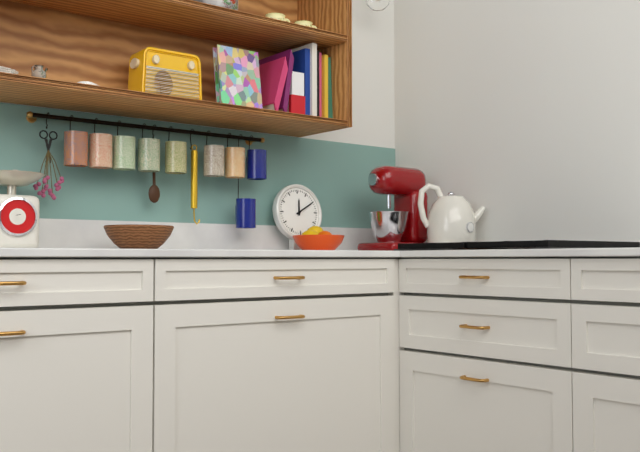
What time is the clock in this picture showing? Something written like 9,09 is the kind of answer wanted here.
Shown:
12,10
